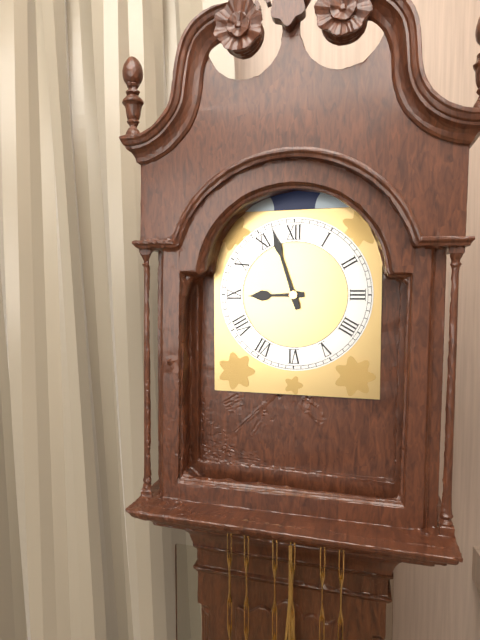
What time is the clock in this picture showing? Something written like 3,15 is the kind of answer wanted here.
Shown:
8,57
